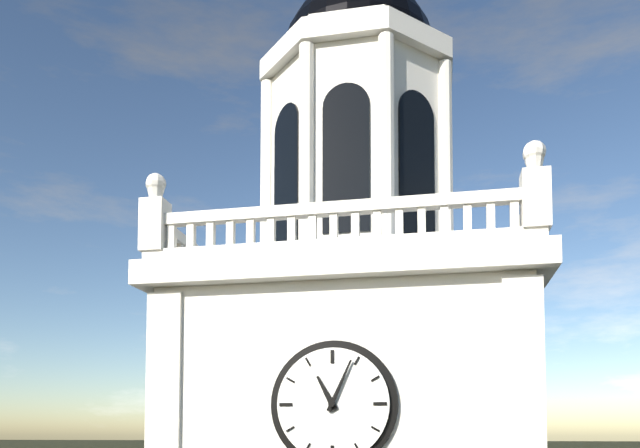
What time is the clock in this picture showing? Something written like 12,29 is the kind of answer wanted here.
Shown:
11,04
